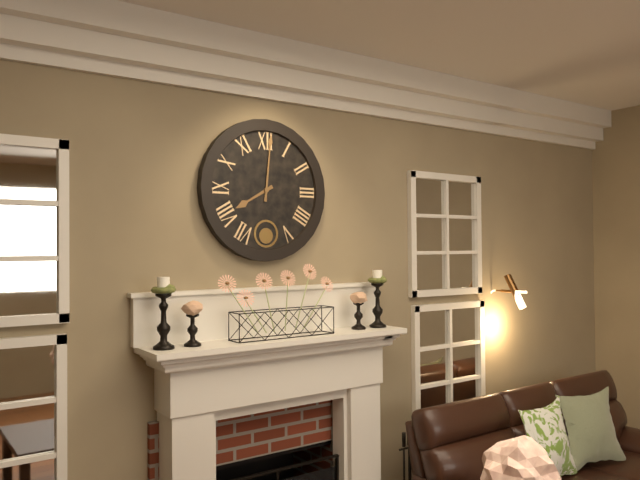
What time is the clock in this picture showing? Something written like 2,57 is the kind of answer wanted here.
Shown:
8,01
